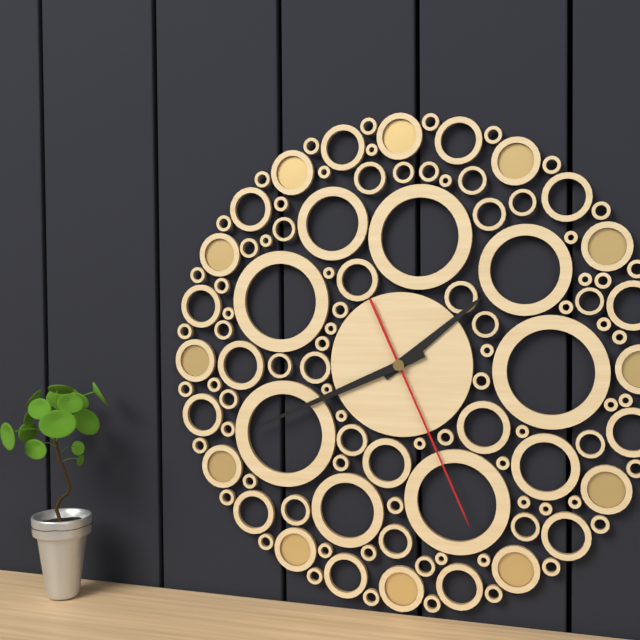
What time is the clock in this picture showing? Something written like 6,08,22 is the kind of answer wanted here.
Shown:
1,41,26
